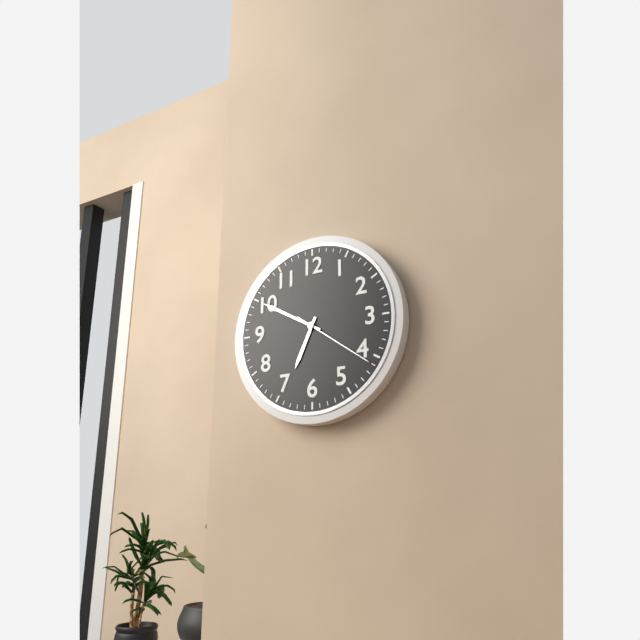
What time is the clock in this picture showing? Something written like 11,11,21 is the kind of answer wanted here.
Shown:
6,50,21
